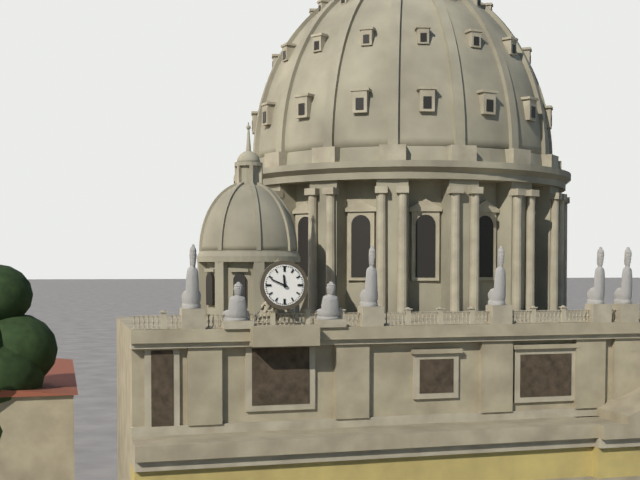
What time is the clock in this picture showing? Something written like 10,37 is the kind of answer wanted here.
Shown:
11,49
